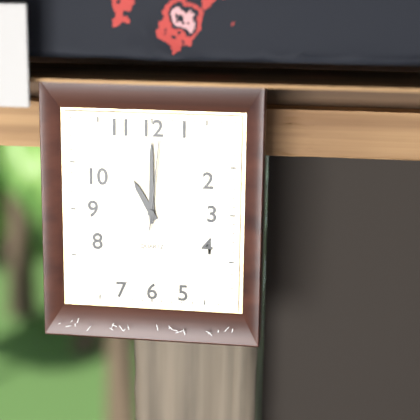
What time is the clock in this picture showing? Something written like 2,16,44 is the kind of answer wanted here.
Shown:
11,00,01
